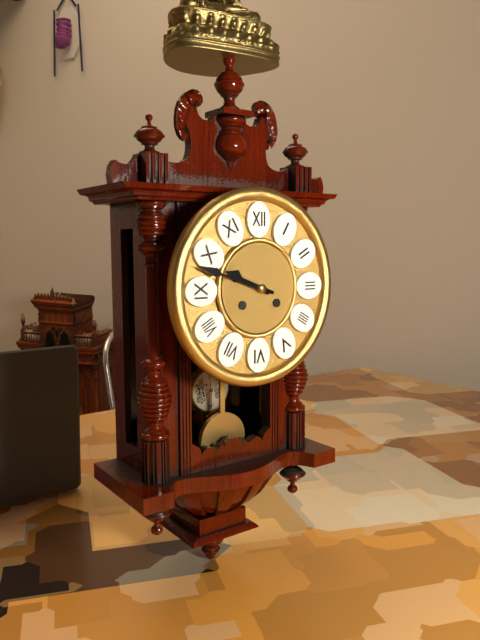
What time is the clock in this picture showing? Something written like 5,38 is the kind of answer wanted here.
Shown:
9,48
